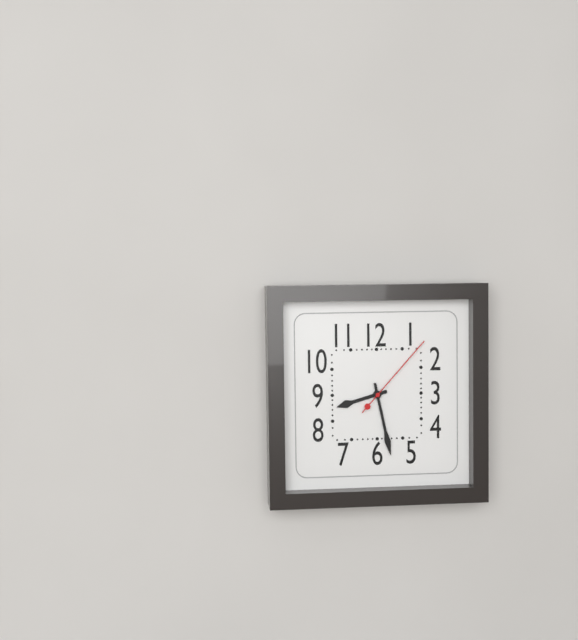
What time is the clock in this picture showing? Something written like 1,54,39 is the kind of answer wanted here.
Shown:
8,28,07
